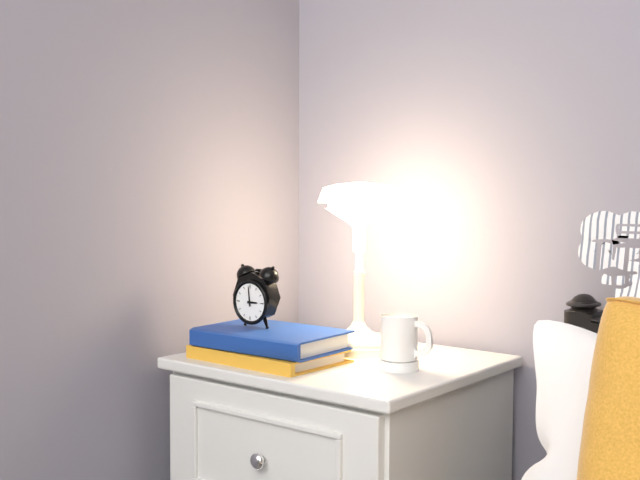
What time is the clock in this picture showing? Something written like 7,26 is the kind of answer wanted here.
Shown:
2,59
